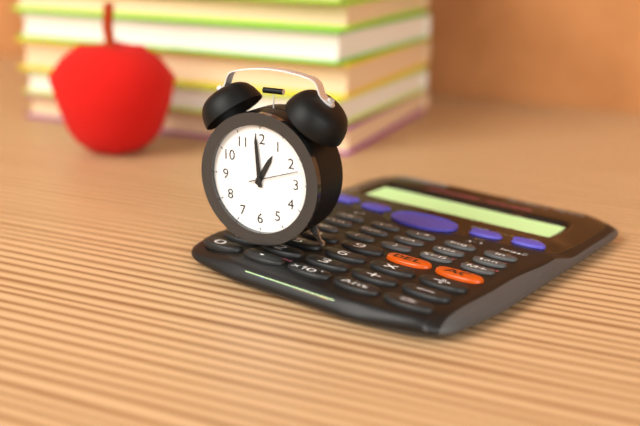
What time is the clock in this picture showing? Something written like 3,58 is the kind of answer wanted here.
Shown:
12,59
